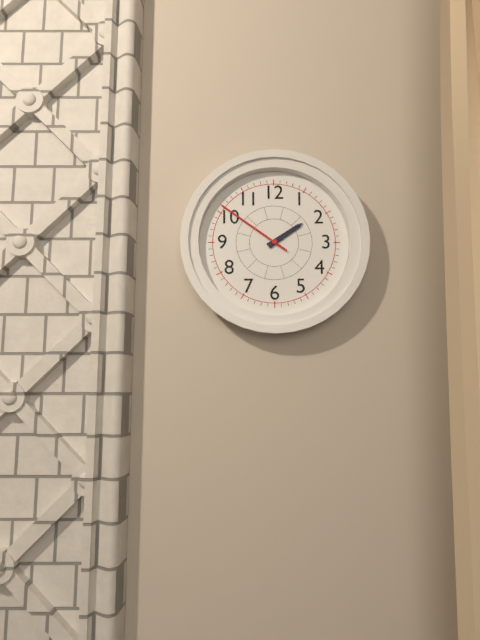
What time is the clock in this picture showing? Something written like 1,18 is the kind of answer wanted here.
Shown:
1,51
